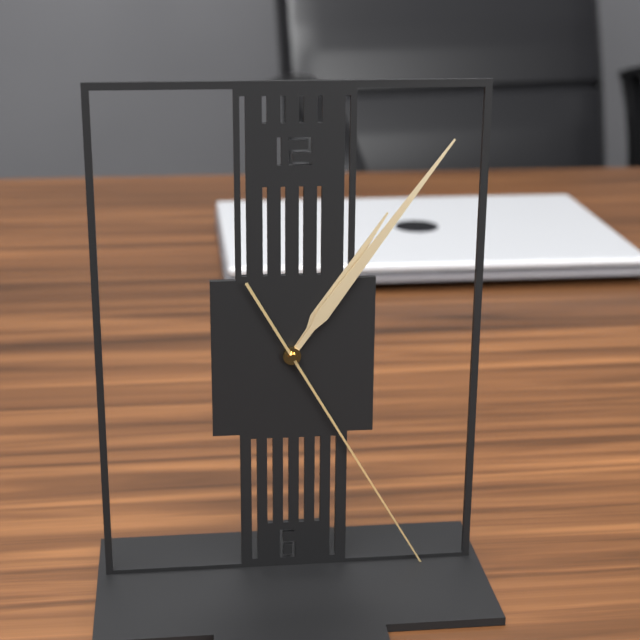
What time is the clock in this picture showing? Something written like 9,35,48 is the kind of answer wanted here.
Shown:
1,06,25
